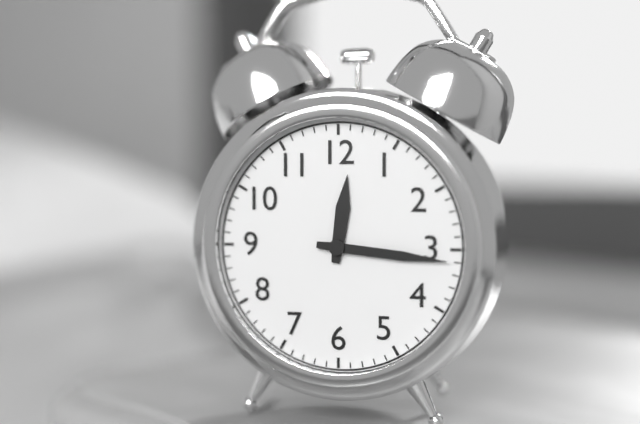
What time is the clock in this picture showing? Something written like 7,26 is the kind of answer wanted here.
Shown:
12,16
